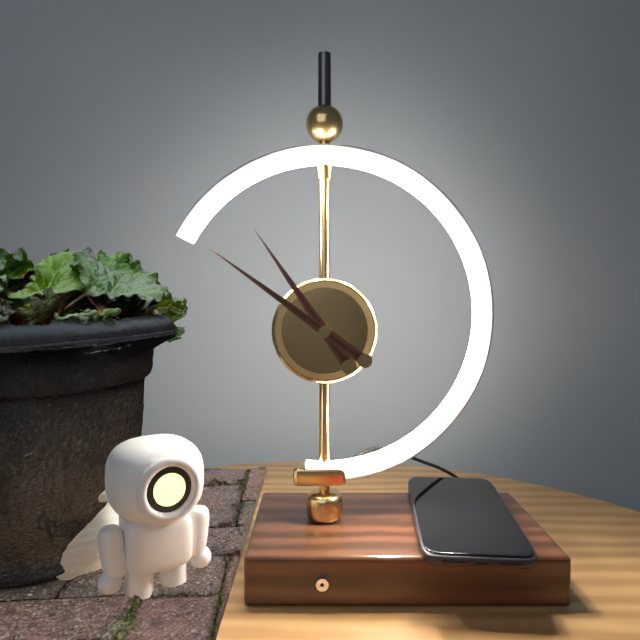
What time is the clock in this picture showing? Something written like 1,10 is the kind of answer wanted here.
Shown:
10,51
